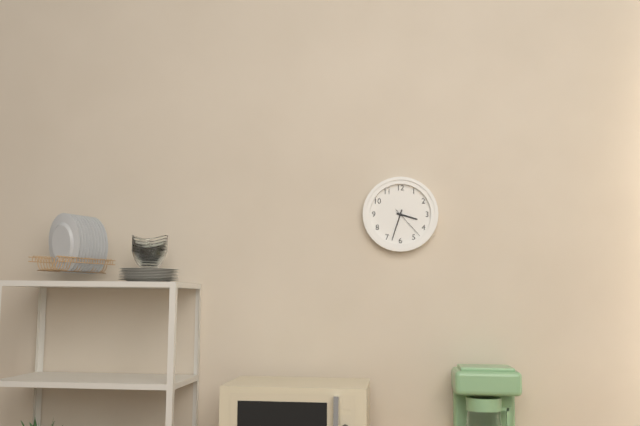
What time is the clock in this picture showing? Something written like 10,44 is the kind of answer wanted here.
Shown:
3,33
